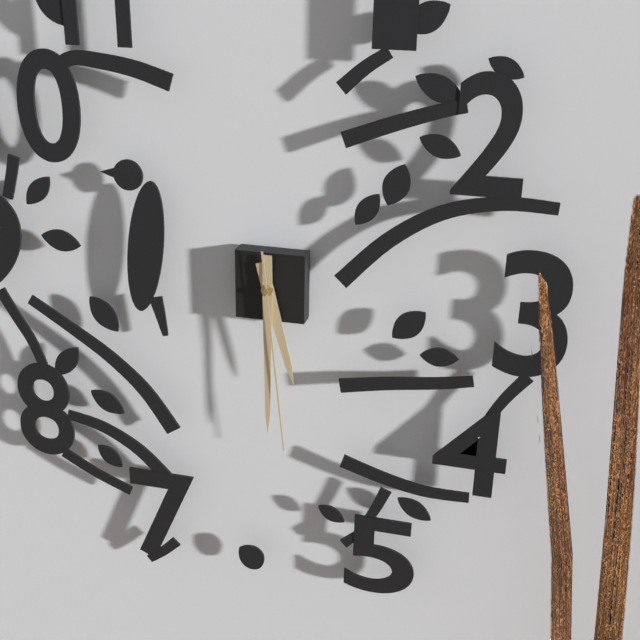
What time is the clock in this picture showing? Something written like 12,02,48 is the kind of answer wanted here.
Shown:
5,30,29
